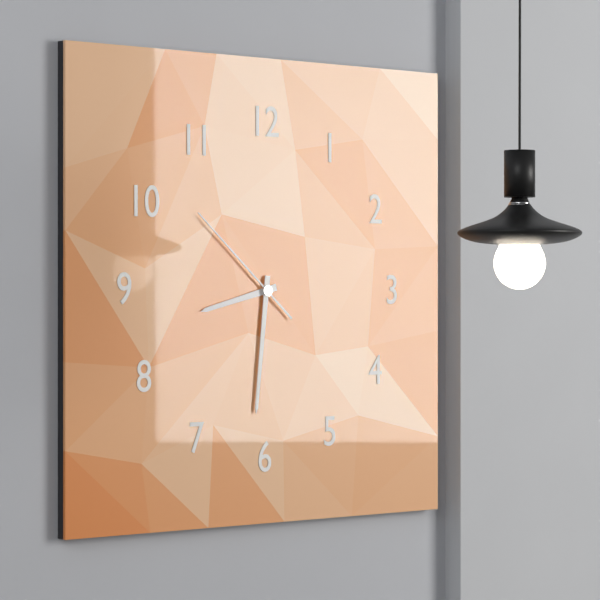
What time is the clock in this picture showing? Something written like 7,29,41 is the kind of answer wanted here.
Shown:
8,31,52
